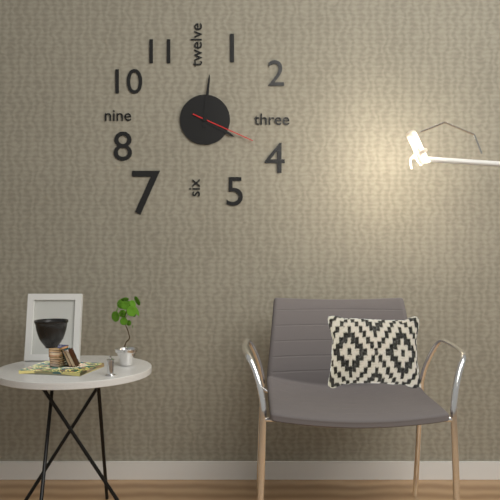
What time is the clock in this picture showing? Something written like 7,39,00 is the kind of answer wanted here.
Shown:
4,01,19
